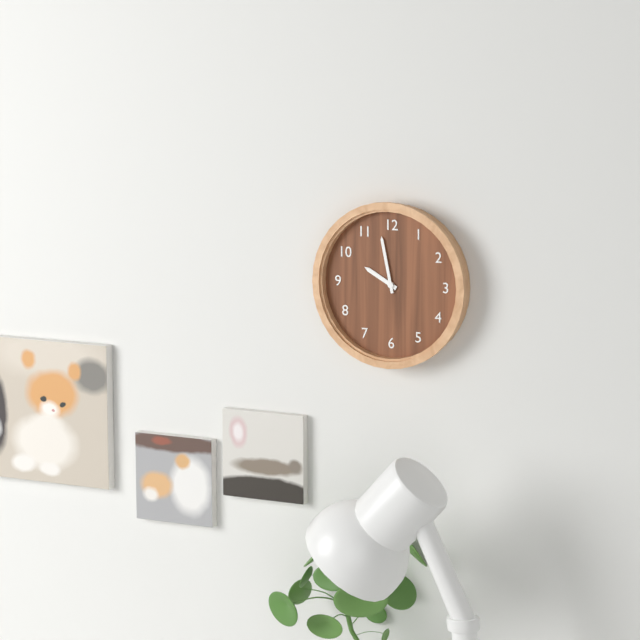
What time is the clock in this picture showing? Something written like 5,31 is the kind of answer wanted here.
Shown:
9,58
